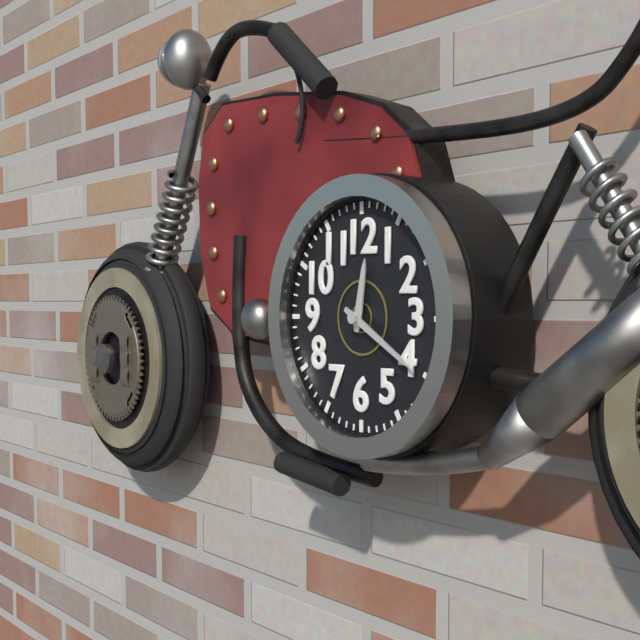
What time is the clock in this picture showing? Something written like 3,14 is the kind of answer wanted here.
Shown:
12,20
